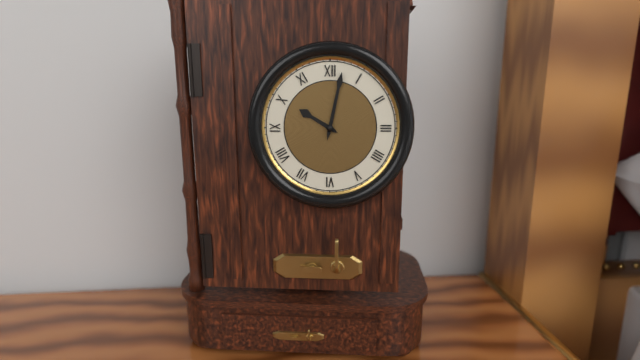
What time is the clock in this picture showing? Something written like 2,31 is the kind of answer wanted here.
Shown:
10,02
